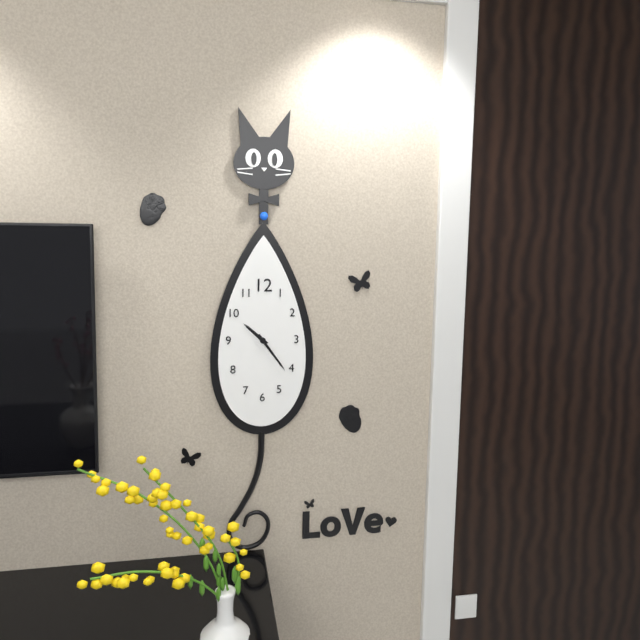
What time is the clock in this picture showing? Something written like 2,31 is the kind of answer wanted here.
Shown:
10,24
